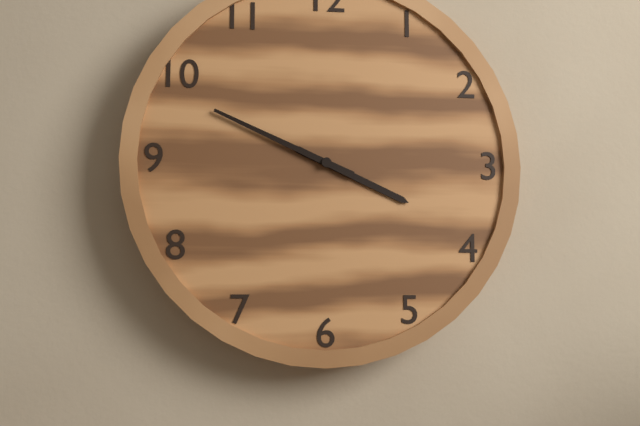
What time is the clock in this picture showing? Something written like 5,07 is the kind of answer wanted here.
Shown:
3,49
